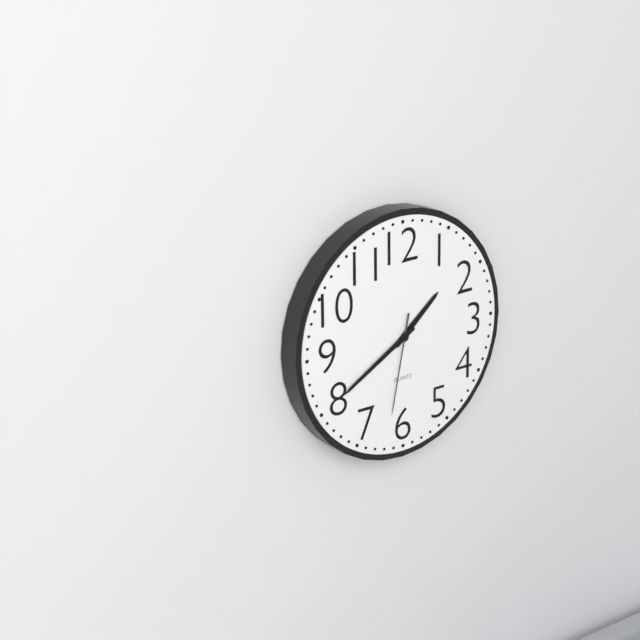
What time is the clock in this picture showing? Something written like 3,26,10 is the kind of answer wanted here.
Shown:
1,40,32
